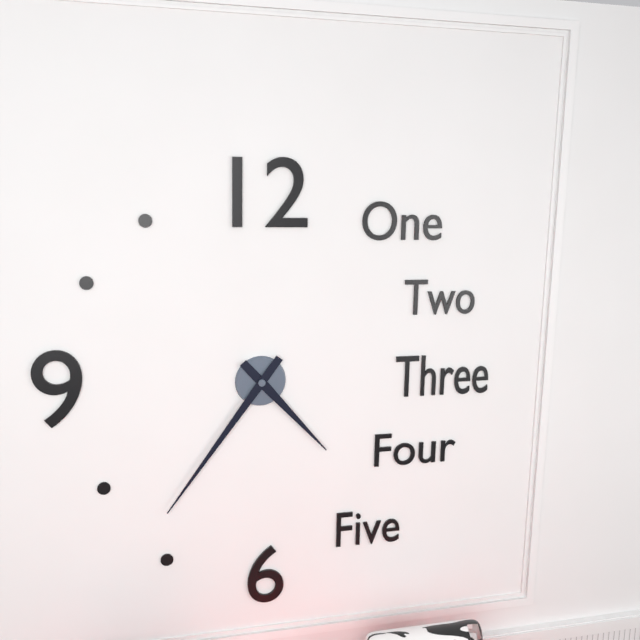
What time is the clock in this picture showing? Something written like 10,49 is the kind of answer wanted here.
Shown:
4,36
